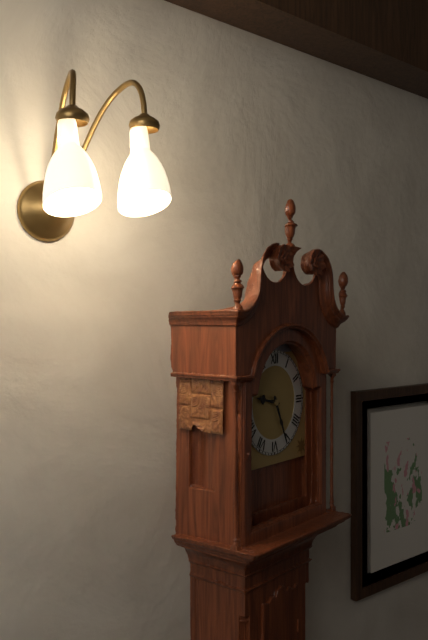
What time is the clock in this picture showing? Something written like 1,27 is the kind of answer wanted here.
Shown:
9,26
